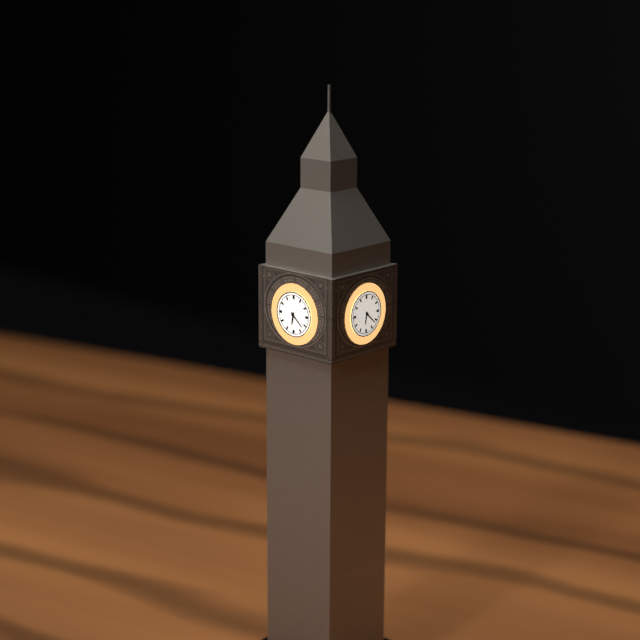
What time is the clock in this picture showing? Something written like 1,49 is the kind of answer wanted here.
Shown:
6,22
